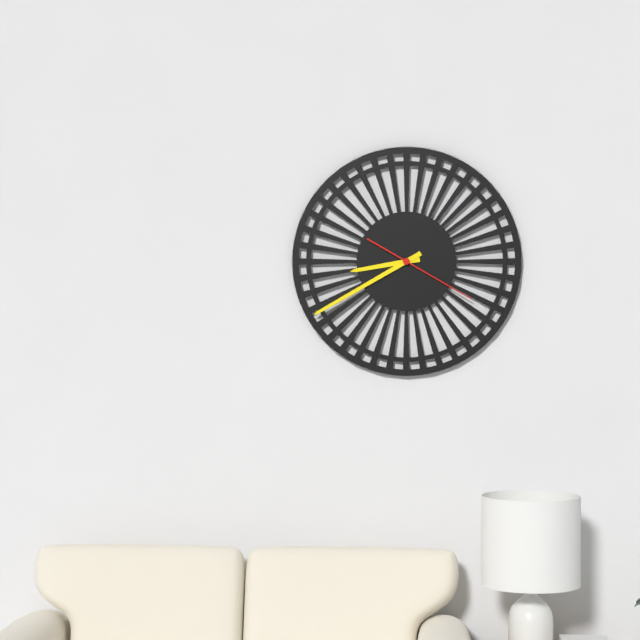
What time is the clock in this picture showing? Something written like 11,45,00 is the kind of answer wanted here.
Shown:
8,40,20
